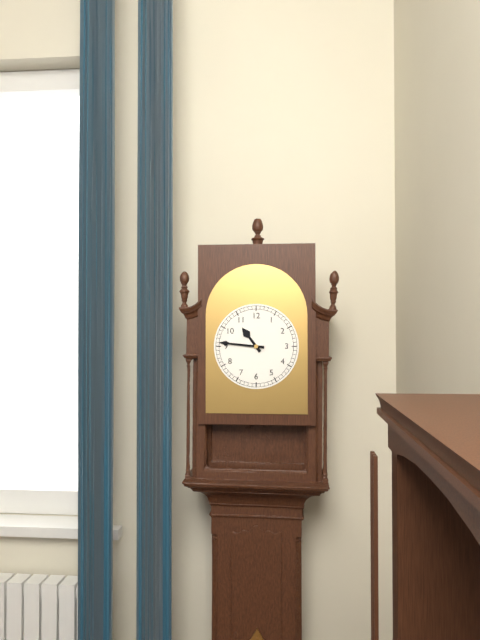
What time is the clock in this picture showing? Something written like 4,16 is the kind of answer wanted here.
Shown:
10,46
